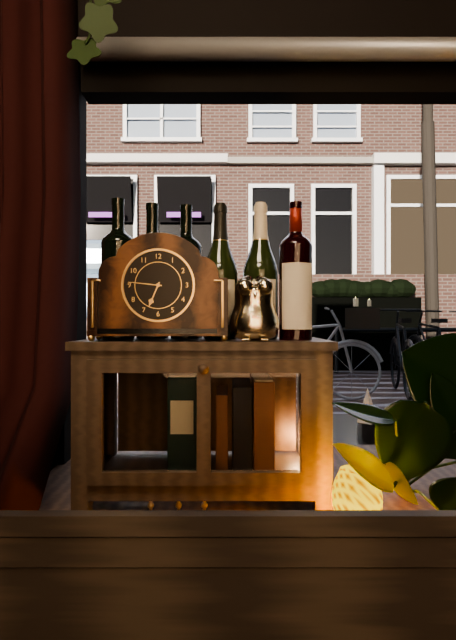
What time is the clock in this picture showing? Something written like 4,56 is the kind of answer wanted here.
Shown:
6,46
